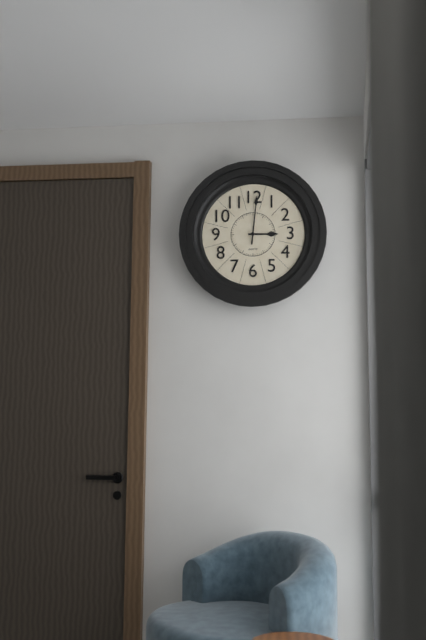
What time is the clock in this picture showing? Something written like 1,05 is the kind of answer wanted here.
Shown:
3,01
